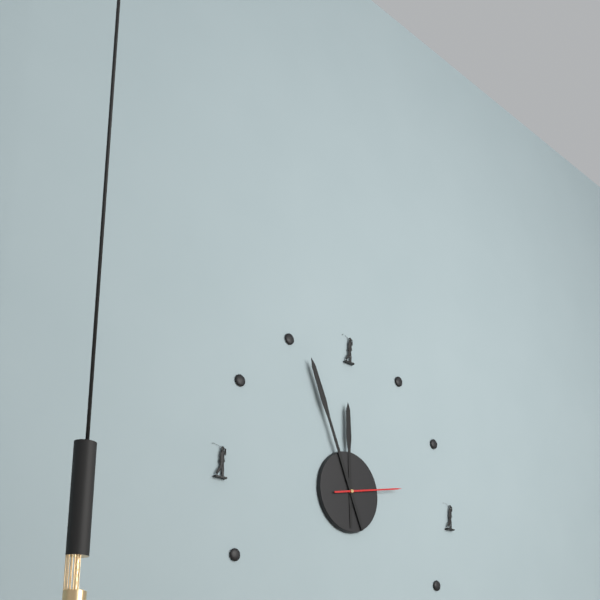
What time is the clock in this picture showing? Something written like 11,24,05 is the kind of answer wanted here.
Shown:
11,56,13
